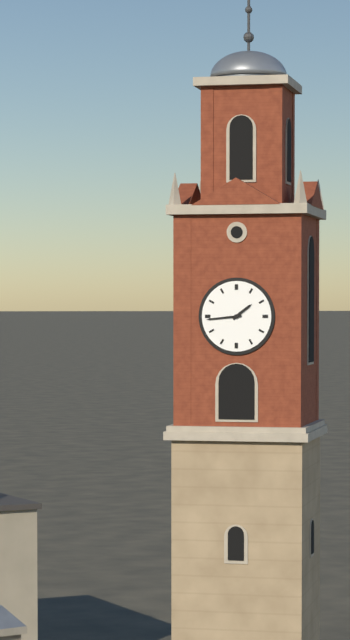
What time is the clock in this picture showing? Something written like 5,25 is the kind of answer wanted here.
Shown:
1,44
